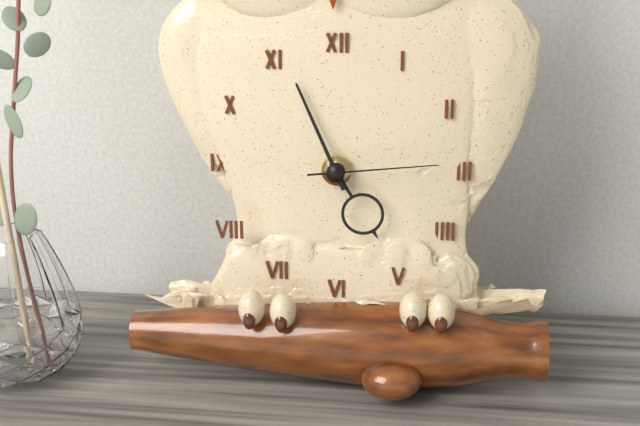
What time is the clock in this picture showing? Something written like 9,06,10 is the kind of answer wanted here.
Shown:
4,56,14
